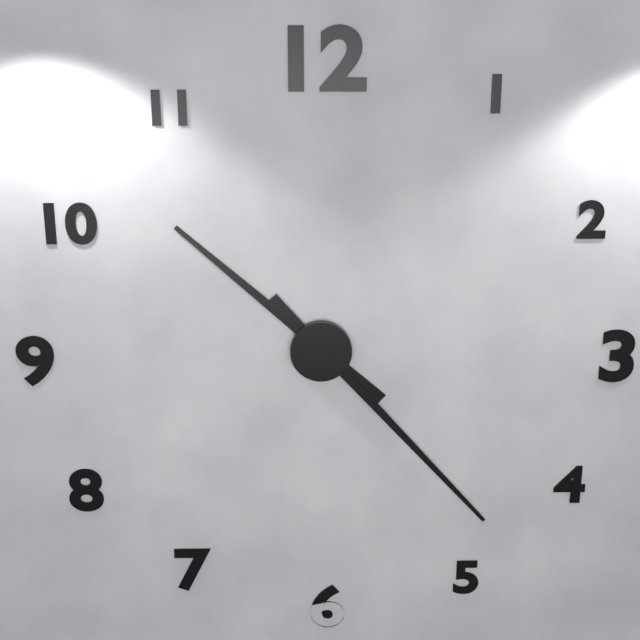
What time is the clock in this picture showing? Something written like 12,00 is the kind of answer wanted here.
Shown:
10,23
